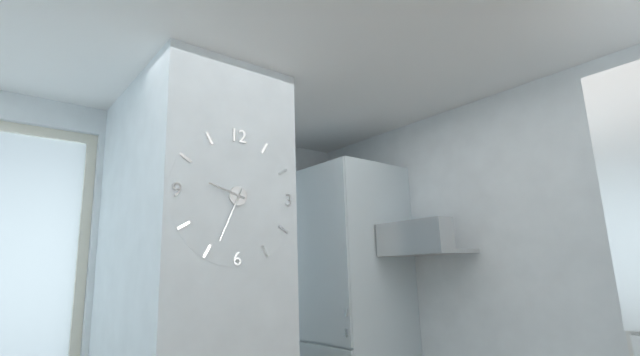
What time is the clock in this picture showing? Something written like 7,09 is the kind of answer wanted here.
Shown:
9,34
